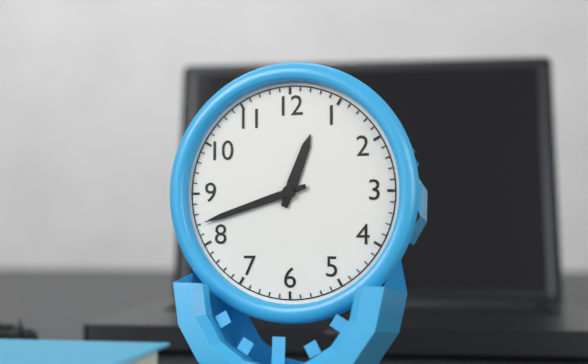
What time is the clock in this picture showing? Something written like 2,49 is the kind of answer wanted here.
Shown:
12,42
